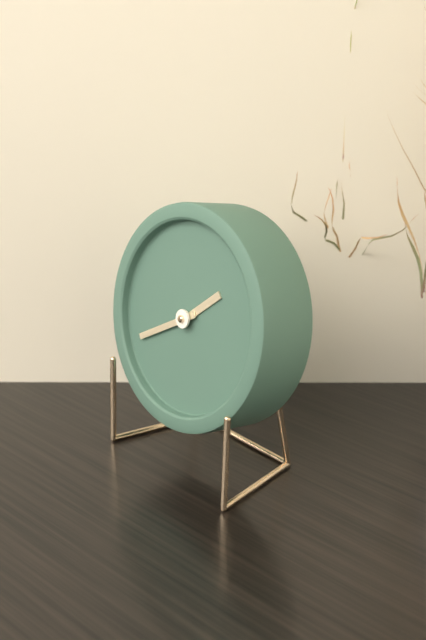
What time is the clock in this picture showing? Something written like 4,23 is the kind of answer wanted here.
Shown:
1,40
